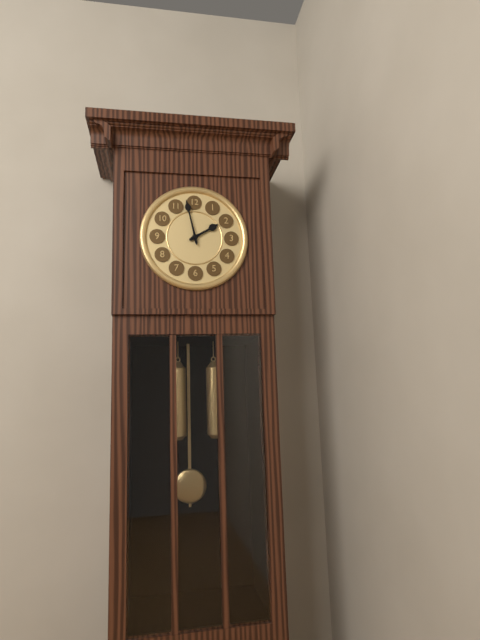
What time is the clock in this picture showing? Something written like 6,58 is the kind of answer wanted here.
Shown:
1,58
